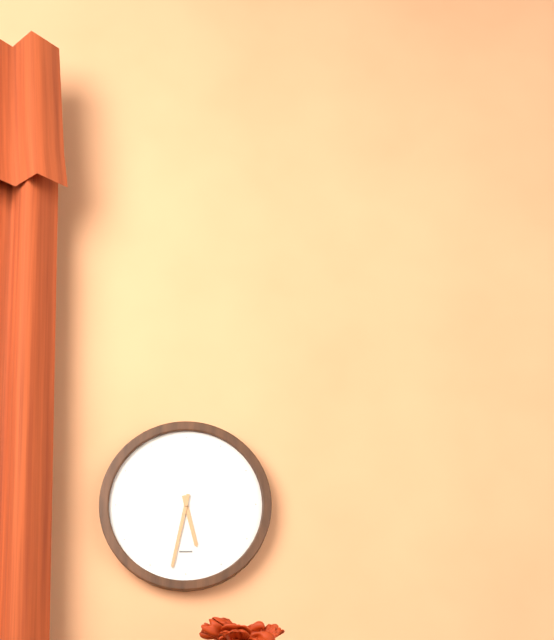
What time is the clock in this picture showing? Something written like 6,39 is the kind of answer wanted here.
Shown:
5,32
